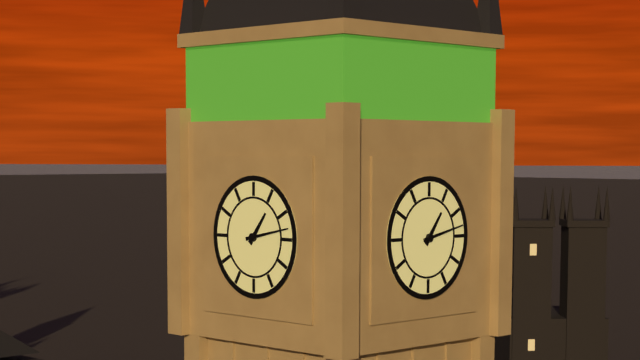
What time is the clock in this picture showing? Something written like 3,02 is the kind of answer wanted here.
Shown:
1,13
